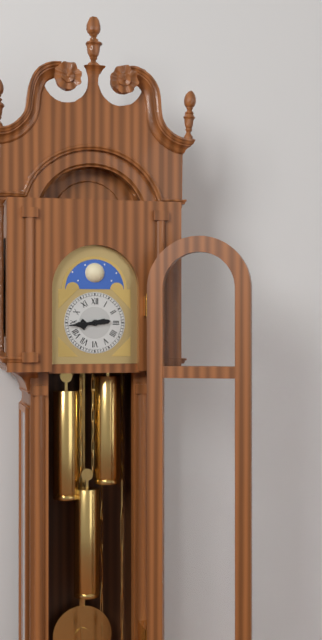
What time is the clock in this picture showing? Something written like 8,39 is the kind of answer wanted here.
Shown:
8,44
